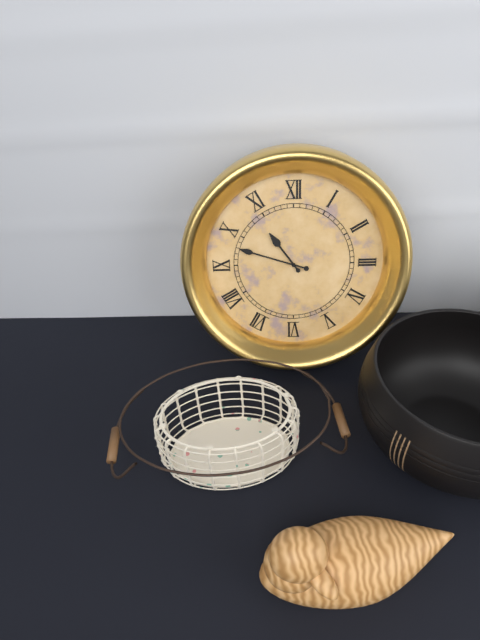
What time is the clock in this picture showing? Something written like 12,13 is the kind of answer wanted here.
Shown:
10,48
